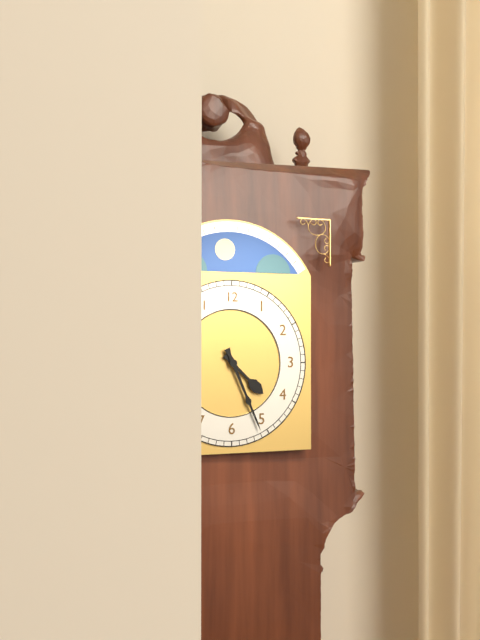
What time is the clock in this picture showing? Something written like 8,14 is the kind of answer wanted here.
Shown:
4,26
